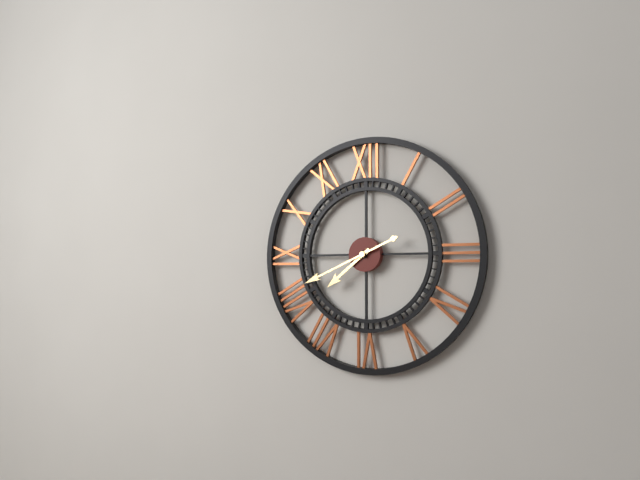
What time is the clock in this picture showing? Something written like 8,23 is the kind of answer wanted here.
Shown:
7,41
